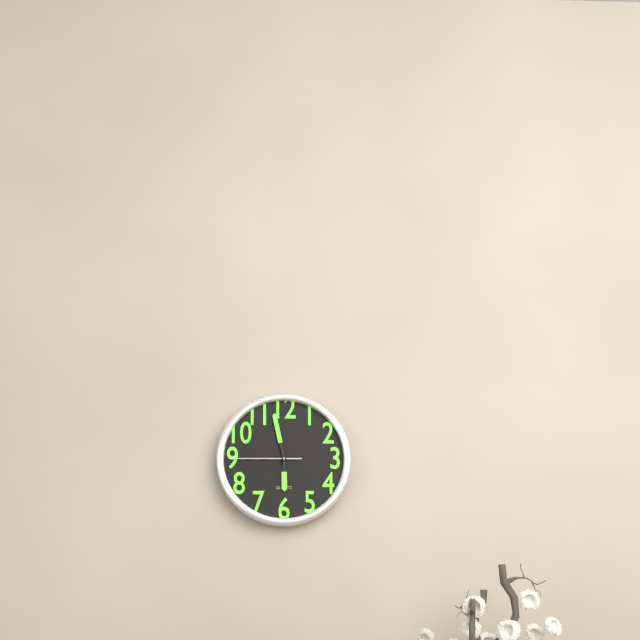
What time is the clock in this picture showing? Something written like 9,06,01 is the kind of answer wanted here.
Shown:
5,58,45
